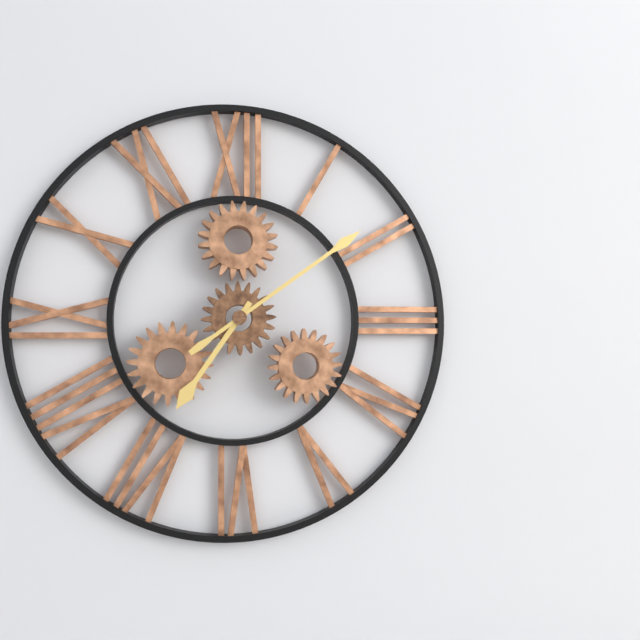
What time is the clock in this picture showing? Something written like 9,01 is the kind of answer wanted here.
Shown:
7,09
